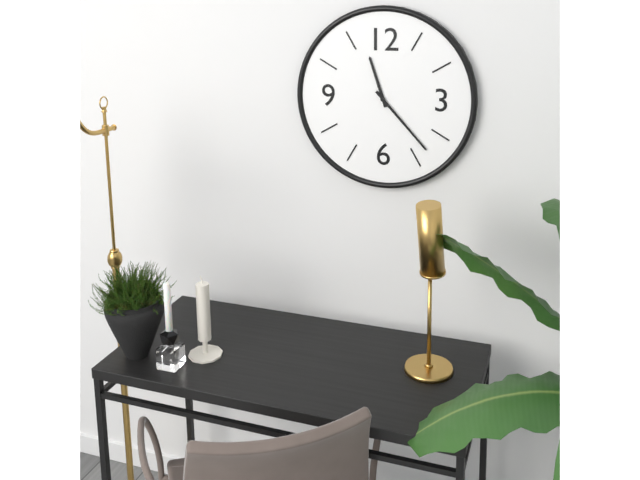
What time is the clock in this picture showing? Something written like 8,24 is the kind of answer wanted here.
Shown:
11,23
